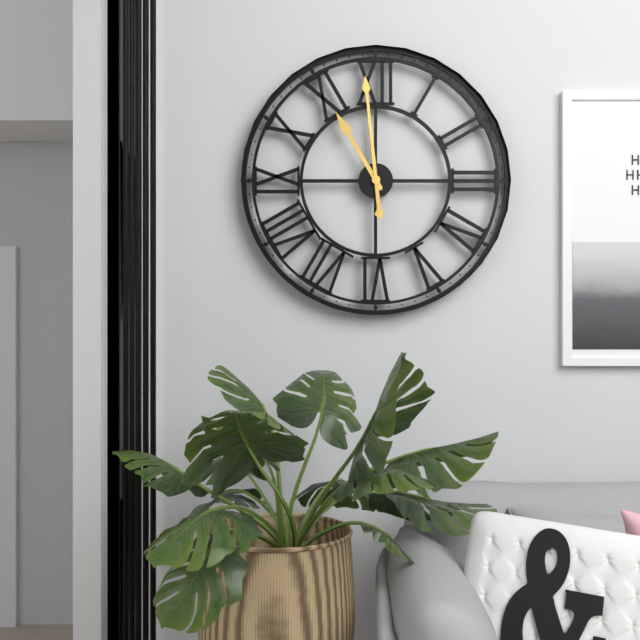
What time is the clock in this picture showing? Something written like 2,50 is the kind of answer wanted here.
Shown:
10,59
